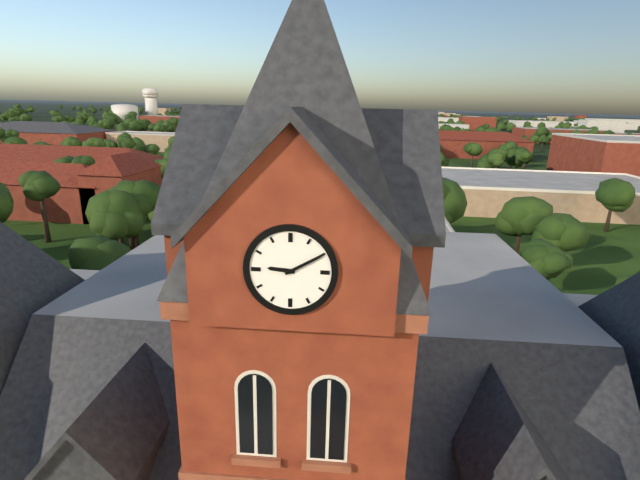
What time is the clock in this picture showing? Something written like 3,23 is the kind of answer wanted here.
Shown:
9,10
